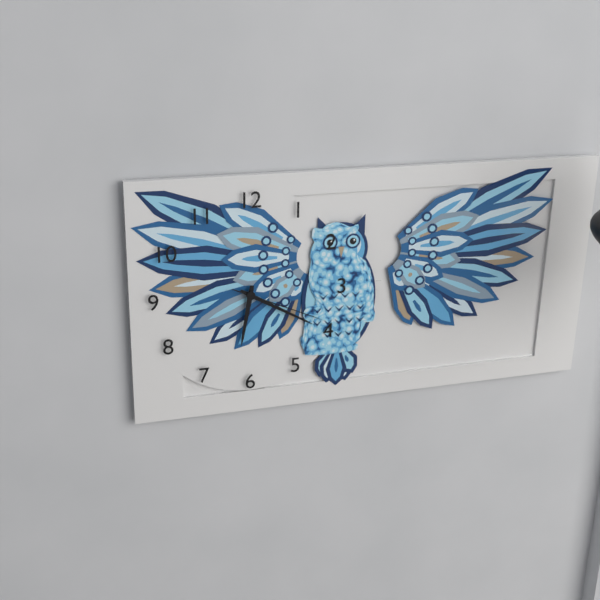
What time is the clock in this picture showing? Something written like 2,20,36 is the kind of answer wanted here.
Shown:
6,20,19
